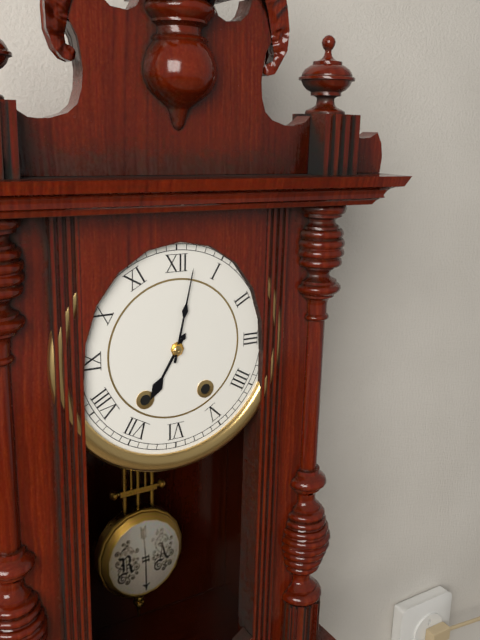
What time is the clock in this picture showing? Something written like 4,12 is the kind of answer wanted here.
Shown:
7,02
